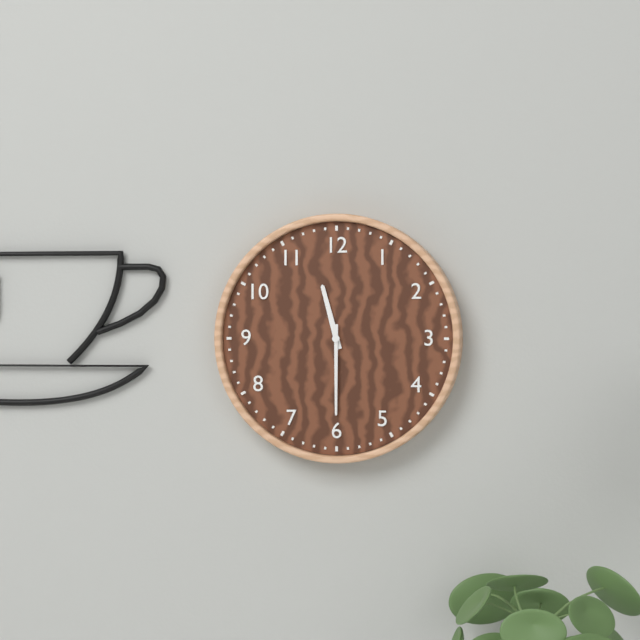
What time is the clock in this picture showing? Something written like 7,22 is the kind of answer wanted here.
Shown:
11,30
